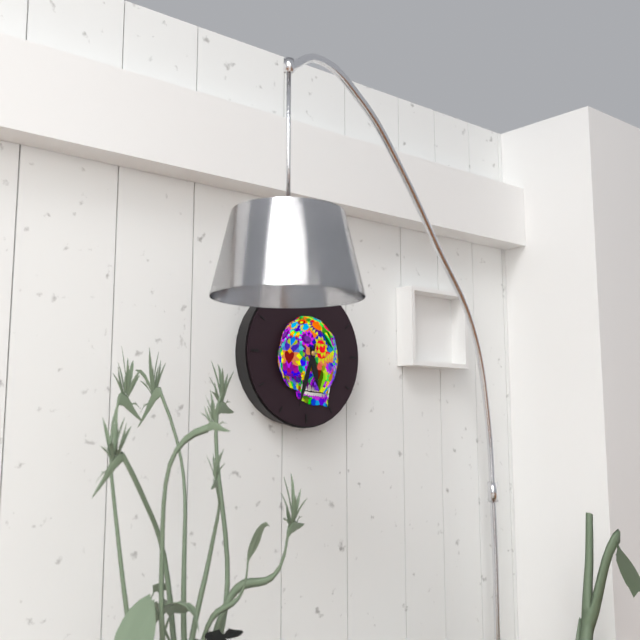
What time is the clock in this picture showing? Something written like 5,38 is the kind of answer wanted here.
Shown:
5,33
